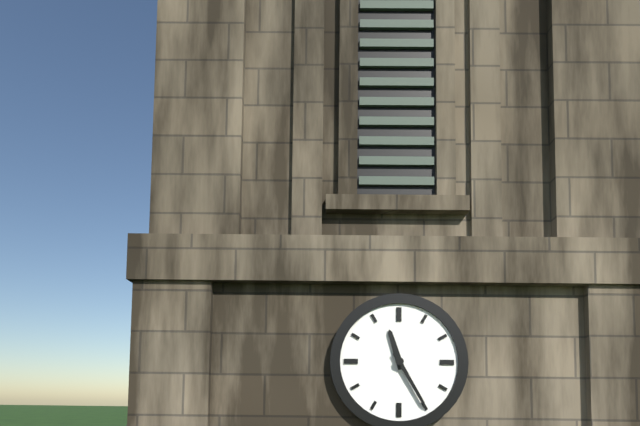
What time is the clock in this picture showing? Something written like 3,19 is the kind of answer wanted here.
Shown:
11,25
